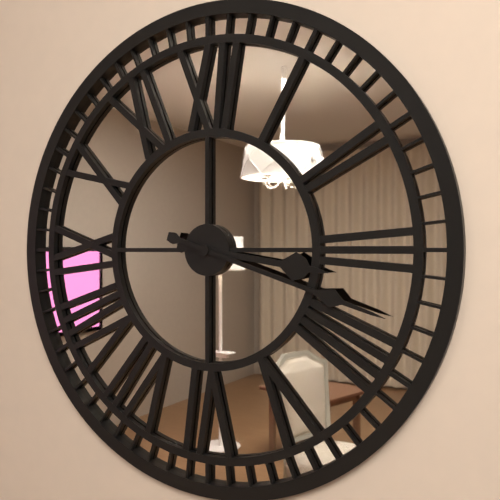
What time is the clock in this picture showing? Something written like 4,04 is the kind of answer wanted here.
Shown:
3,18
